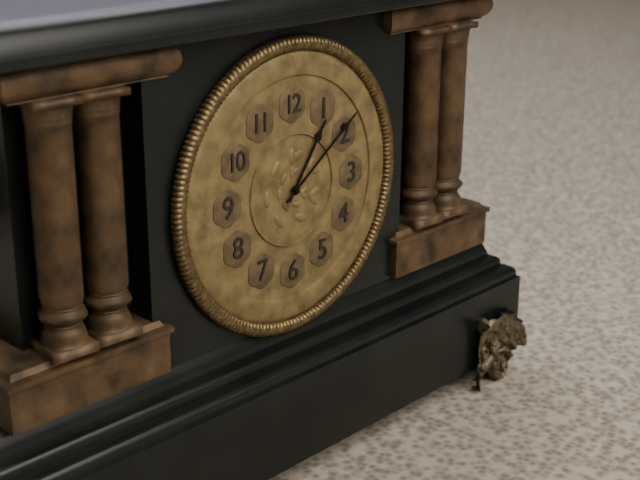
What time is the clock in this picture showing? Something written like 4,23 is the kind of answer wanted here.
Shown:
1,09
